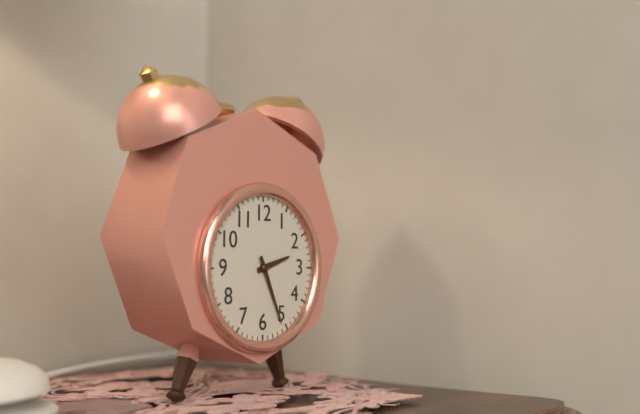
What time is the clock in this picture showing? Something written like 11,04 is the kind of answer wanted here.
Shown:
2,26
